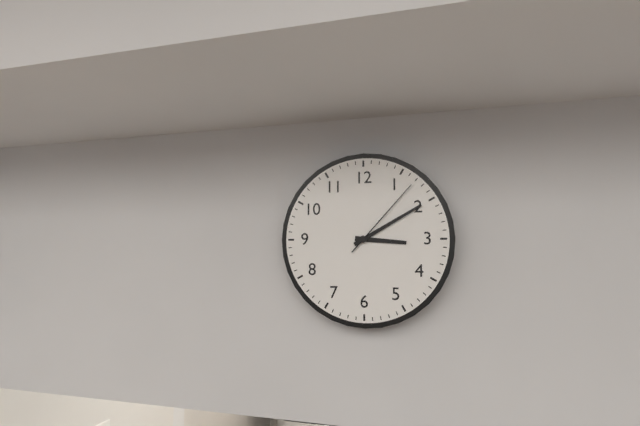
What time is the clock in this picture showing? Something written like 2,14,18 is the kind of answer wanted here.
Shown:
3,10,07
